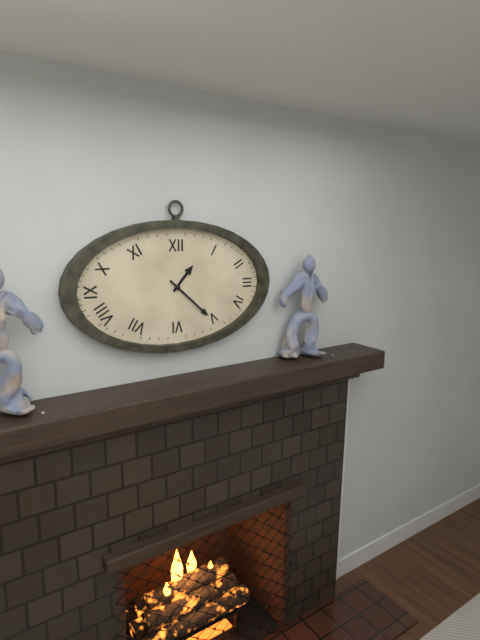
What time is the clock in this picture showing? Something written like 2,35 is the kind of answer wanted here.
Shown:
1,22
